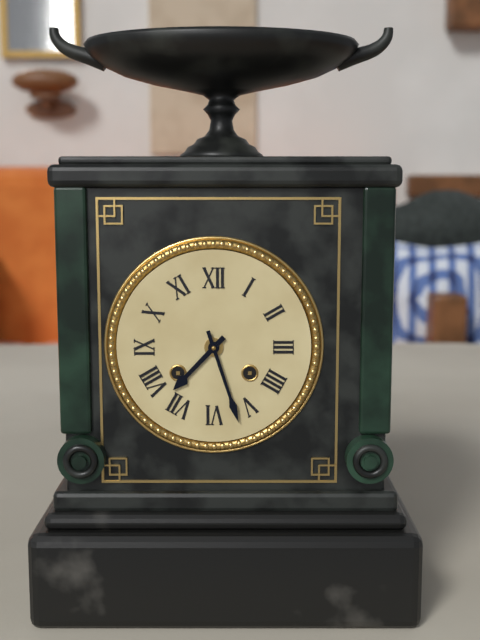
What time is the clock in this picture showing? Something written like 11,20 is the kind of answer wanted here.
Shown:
7,27
